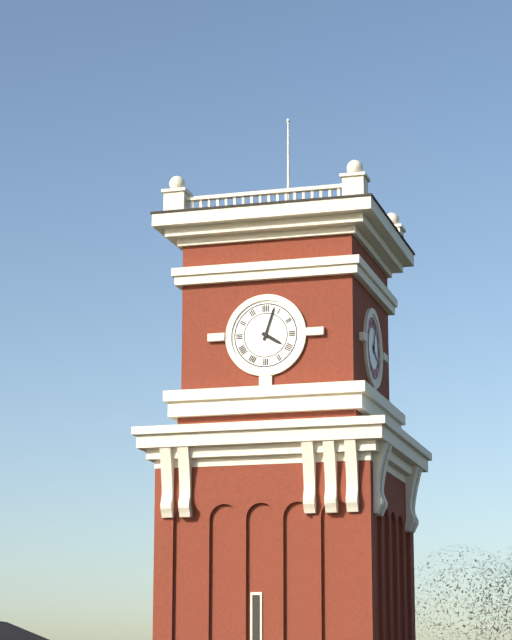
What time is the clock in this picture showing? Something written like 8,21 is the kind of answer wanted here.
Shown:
4,03
